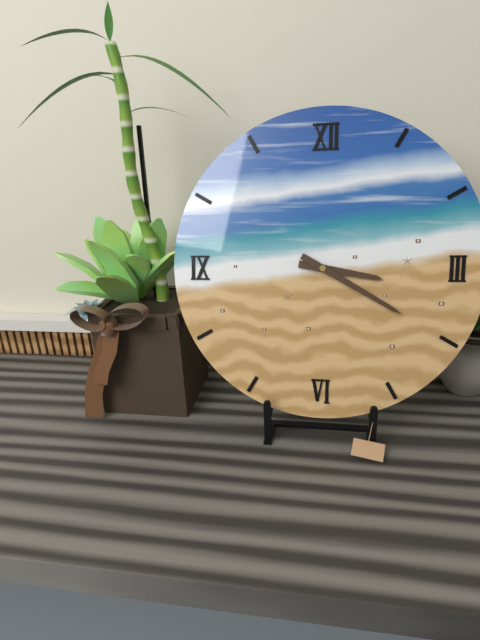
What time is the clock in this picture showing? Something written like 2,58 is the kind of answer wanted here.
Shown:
3,20
